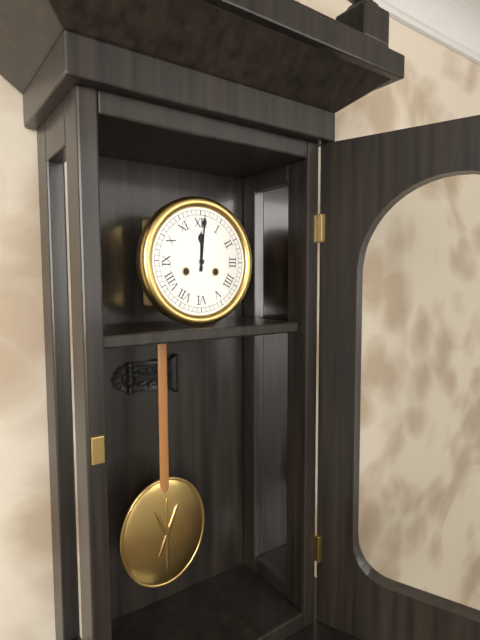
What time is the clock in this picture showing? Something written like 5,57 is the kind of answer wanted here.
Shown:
12,01
